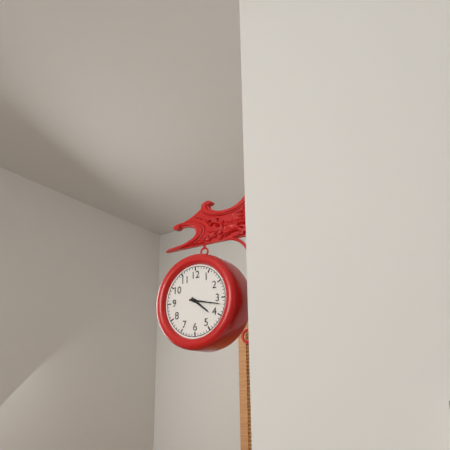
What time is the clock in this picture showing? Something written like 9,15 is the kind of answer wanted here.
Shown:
4,17
